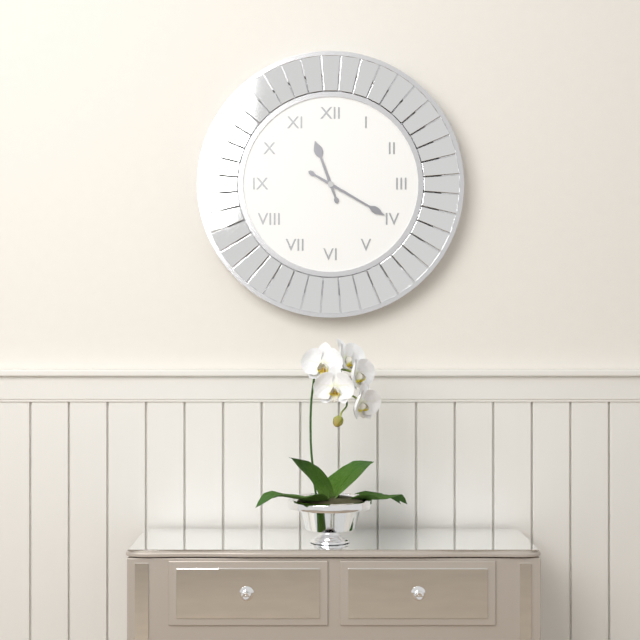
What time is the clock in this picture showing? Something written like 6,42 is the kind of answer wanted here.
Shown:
11,20
